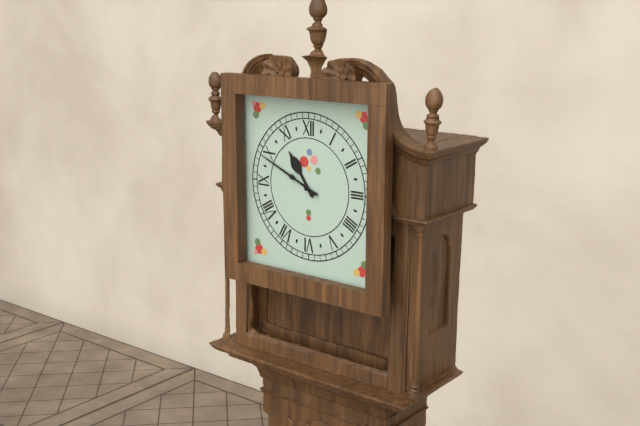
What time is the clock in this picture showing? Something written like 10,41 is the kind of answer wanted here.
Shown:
10,49
